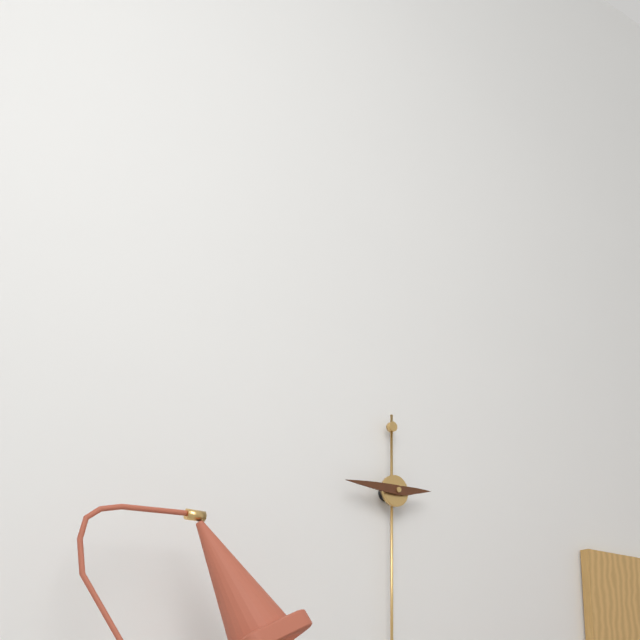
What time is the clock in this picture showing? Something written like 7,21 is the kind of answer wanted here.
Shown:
2,45
